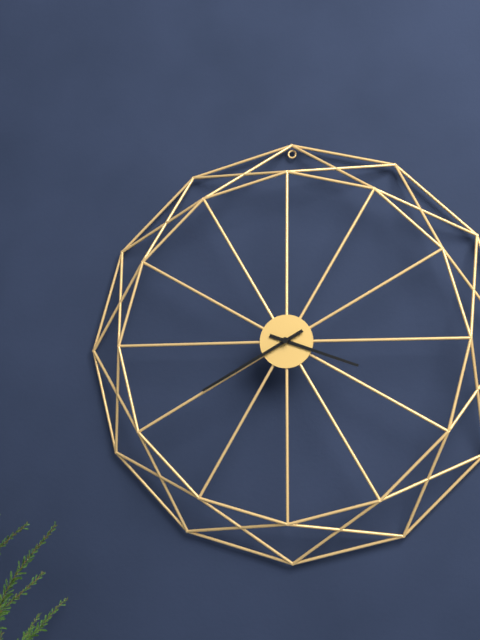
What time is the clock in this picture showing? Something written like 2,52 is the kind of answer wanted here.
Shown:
3,40
